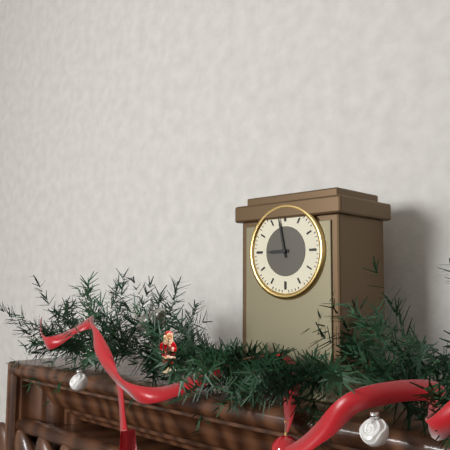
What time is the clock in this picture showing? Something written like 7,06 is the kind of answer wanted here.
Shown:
8,58
